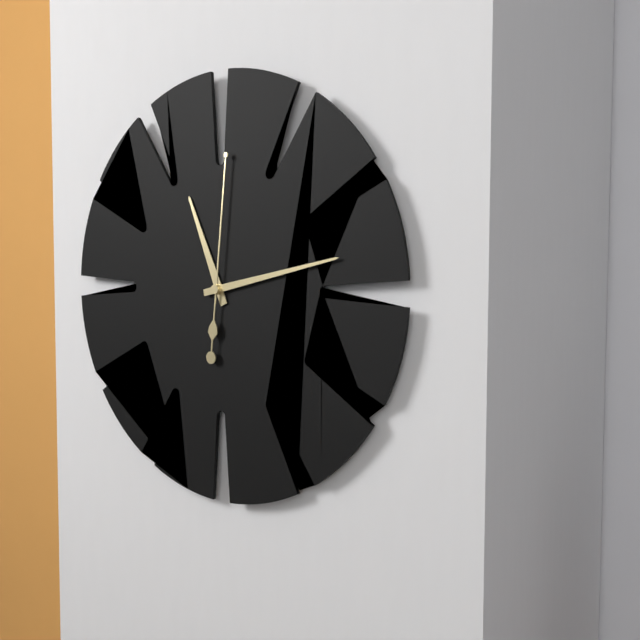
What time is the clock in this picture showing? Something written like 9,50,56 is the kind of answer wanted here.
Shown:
11,13,01
